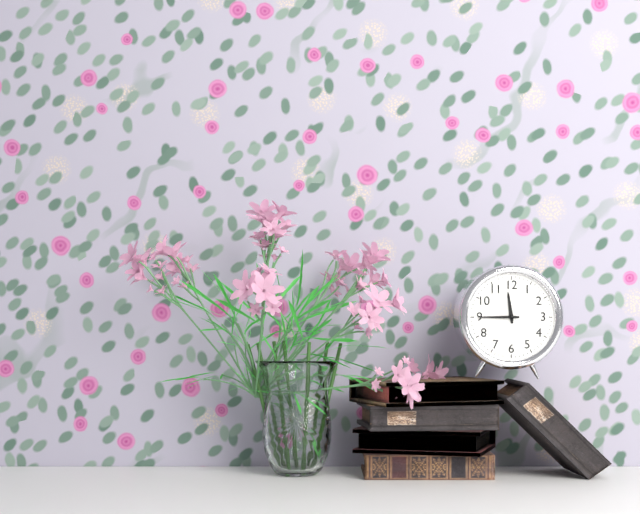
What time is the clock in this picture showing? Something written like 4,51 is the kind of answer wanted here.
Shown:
11,45
